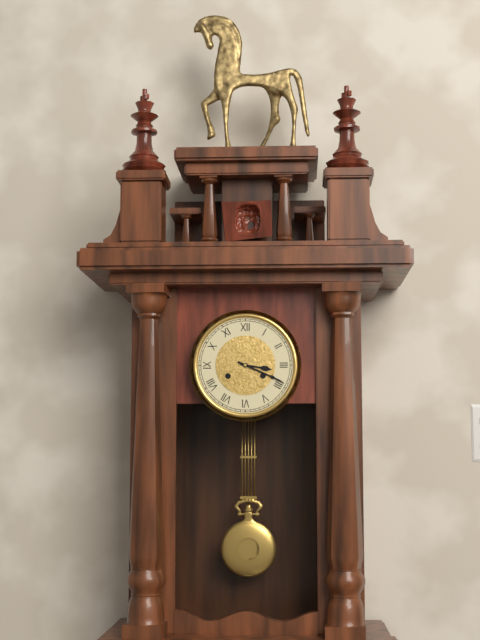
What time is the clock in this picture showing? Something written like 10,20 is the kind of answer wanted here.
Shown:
3,19
